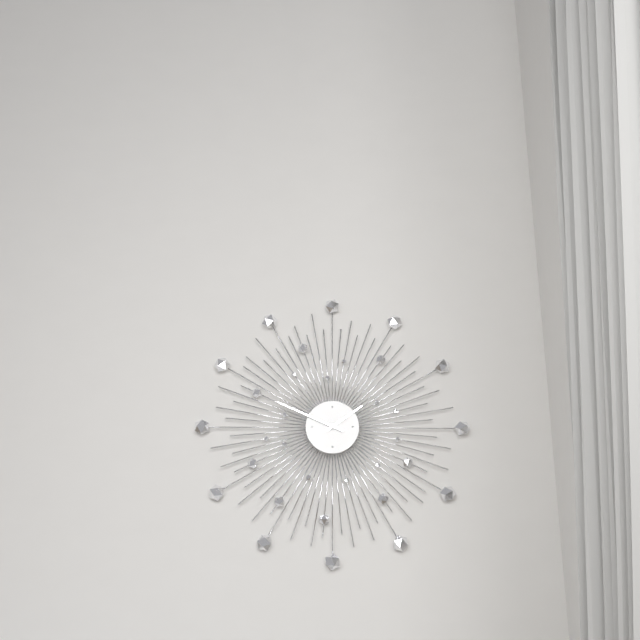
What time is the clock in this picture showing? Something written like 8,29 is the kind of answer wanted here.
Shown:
1,49
